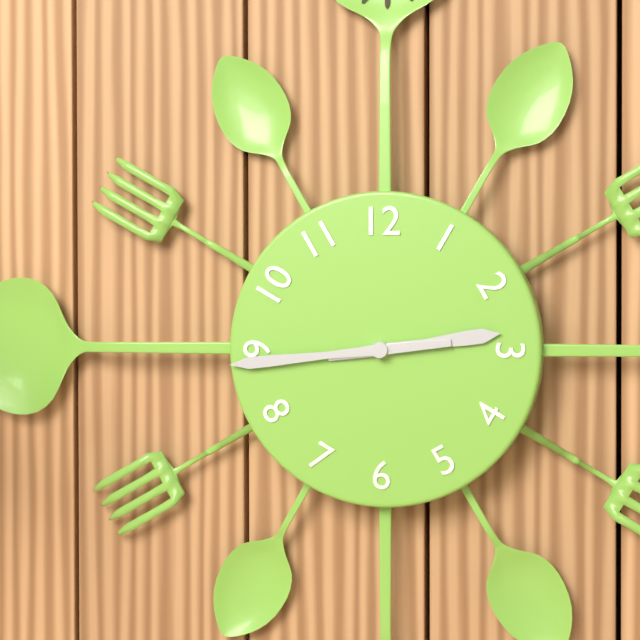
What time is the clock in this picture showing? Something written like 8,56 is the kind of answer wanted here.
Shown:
2,44
